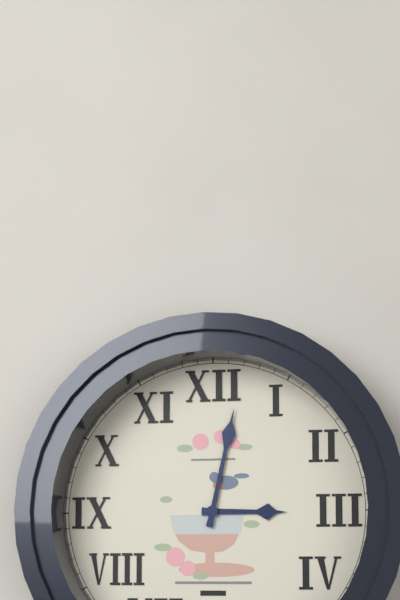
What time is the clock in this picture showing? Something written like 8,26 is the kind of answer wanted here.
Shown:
3,02
